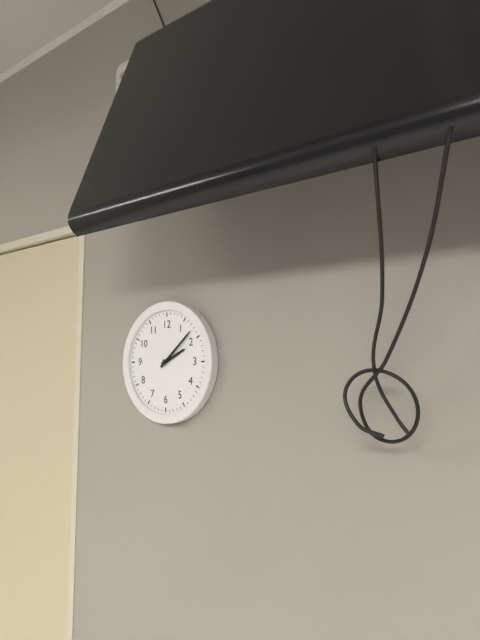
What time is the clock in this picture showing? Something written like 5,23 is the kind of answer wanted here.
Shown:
2,08
